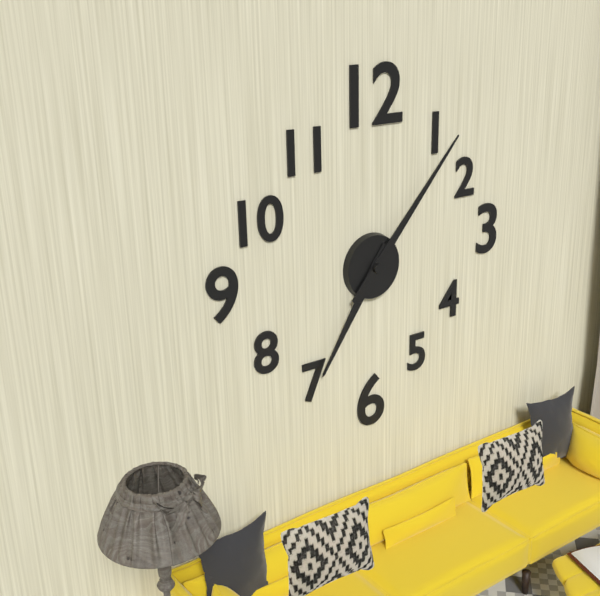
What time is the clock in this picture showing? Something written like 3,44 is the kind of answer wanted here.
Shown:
7,07
